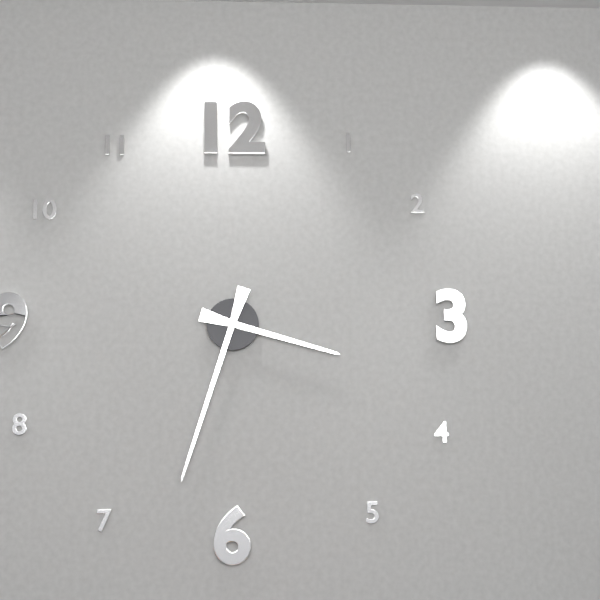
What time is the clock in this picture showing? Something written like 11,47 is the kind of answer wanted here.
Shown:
3,33
